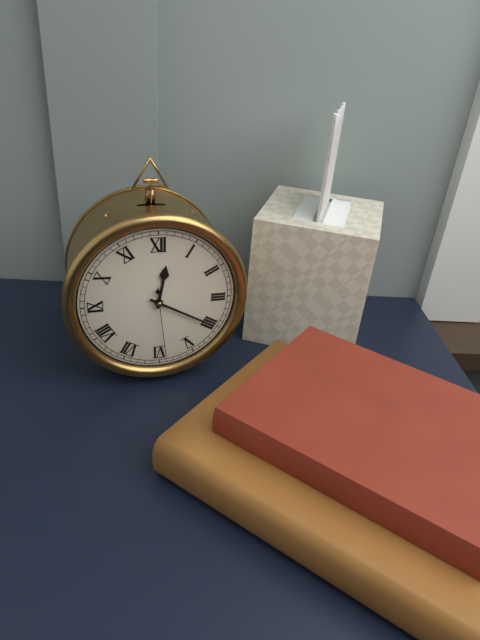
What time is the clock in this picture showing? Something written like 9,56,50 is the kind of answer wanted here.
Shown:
12,20,29
